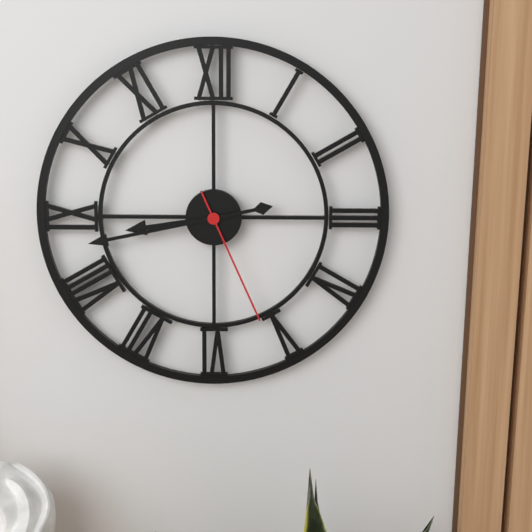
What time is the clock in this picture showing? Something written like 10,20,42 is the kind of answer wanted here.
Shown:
8,43,26
